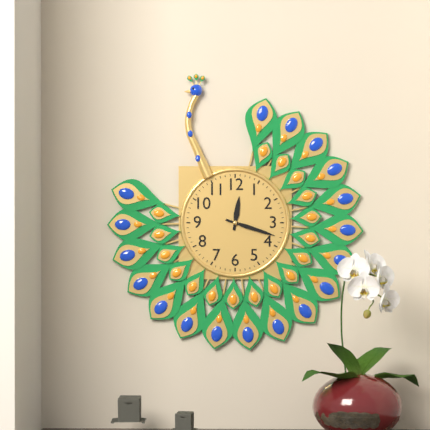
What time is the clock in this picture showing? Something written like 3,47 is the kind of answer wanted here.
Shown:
12,18
